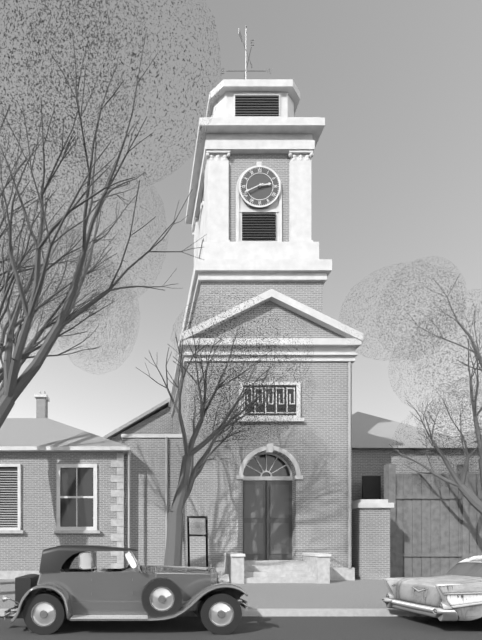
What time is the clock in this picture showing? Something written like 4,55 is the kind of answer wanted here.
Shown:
2,41
